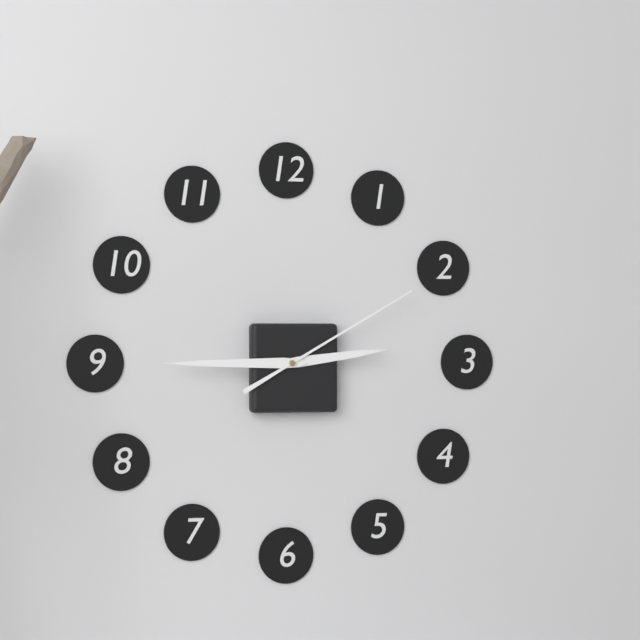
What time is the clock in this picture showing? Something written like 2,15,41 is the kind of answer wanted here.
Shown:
2,45,10
